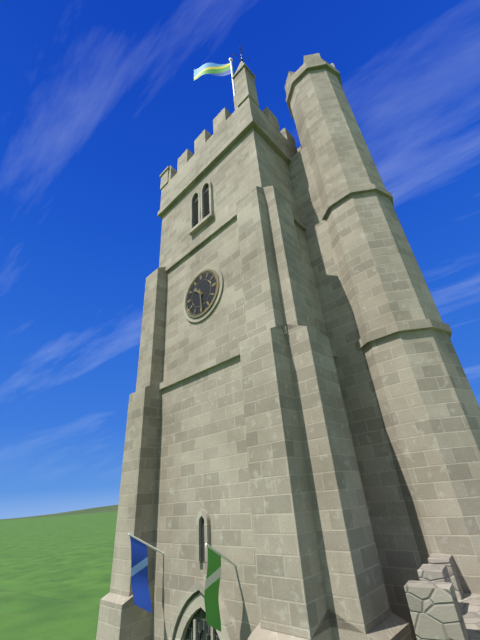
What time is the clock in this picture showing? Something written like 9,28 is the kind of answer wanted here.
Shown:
10,29
